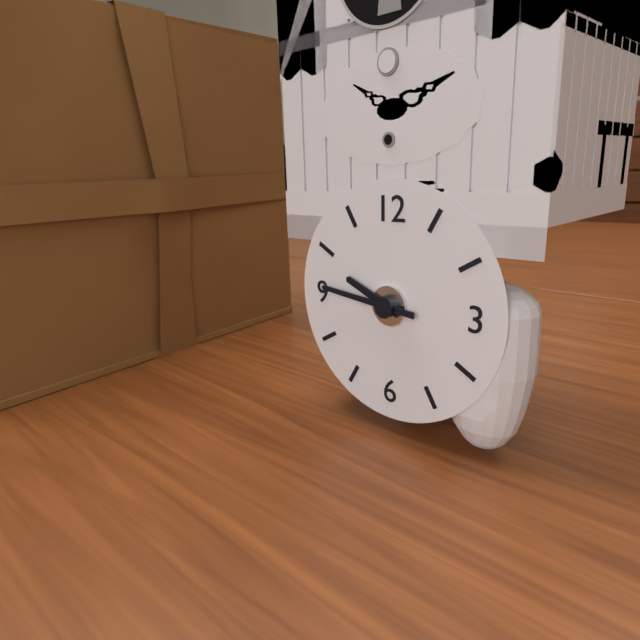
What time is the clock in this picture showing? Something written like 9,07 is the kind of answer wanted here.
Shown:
9,46
